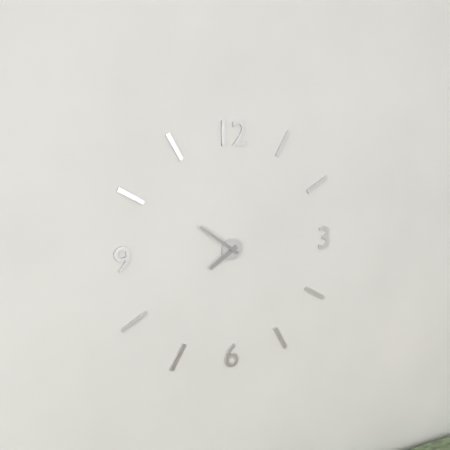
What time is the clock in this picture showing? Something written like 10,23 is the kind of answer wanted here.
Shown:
7,51
